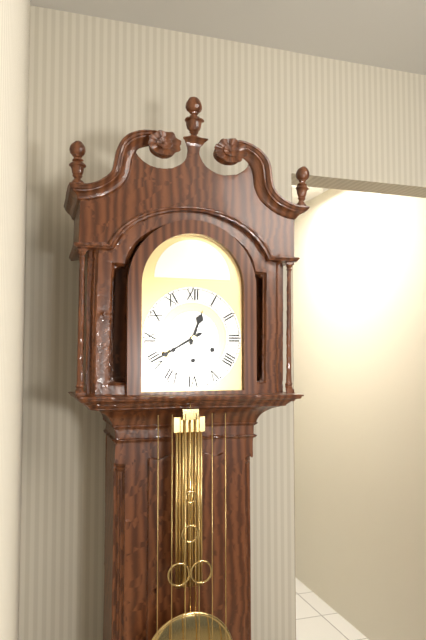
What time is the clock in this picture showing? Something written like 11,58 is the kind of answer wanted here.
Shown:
12,40
